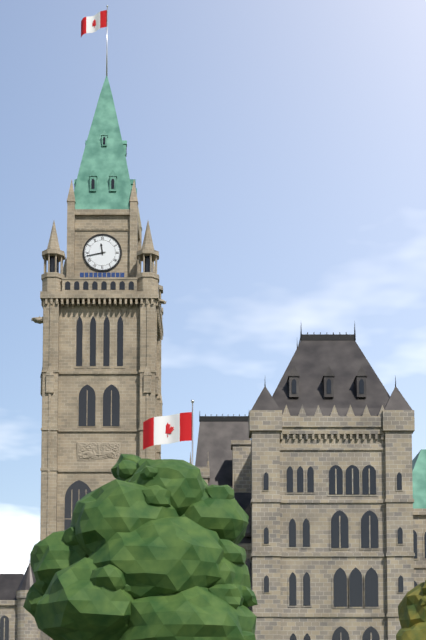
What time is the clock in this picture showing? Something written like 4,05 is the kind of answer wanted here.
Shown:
11,43
